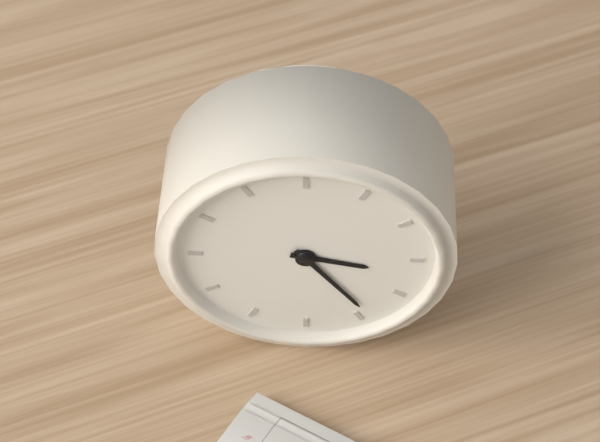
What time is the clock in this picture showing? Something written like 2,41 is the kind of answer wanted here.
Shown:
3,24
